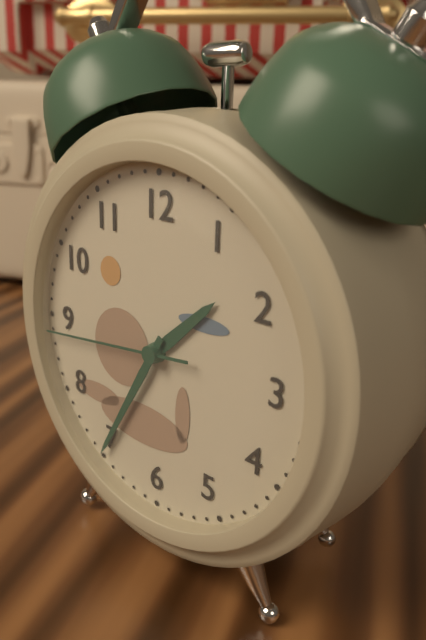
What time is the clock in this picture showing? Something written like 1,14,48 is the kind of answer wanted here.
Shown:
1,35,44
